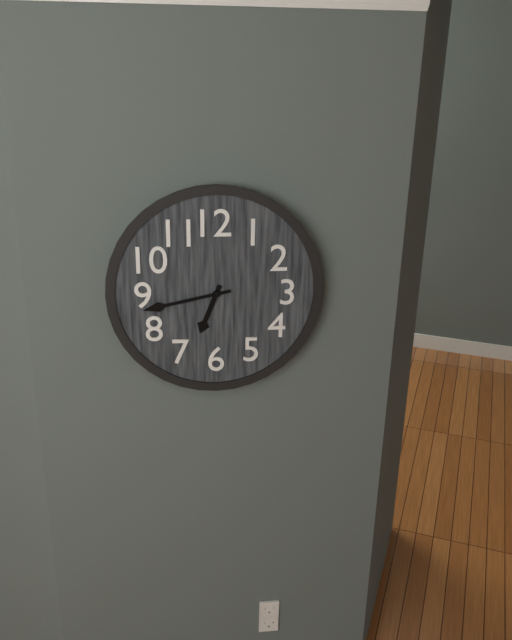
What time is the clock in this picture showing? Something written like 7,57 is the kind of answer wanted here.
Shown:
6,43
